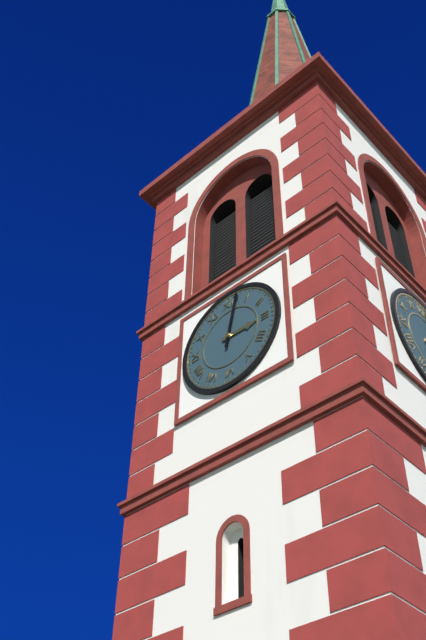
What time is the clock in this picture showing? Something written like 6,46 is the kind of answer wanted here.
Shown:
3,02
